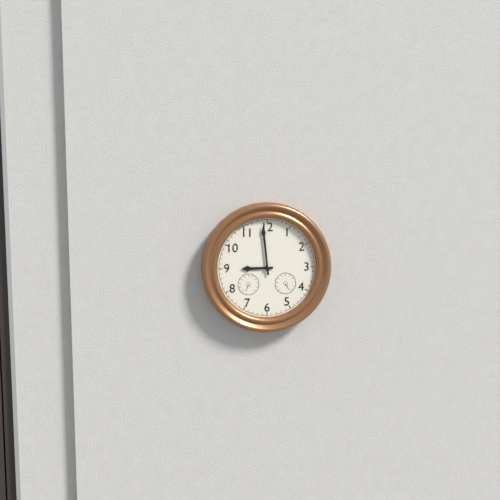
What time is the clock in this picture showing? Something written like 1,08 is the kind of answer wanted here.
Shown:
8,59
